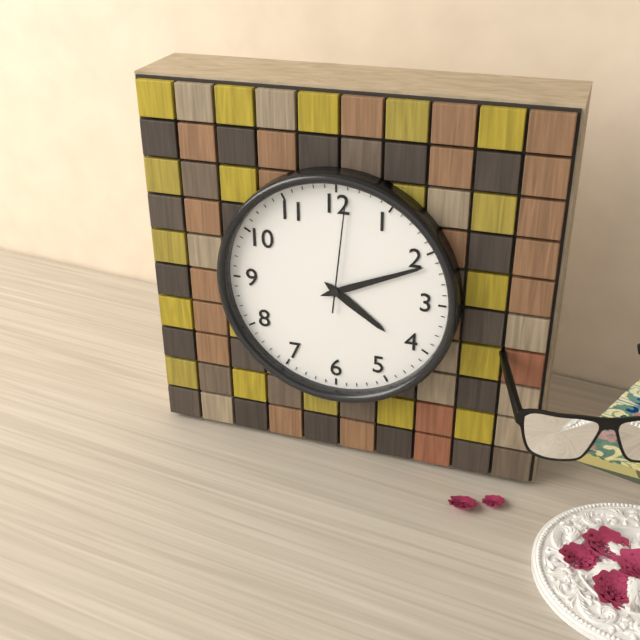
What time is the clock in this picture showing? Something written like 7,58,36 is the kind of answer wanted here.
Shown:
4,11,01
